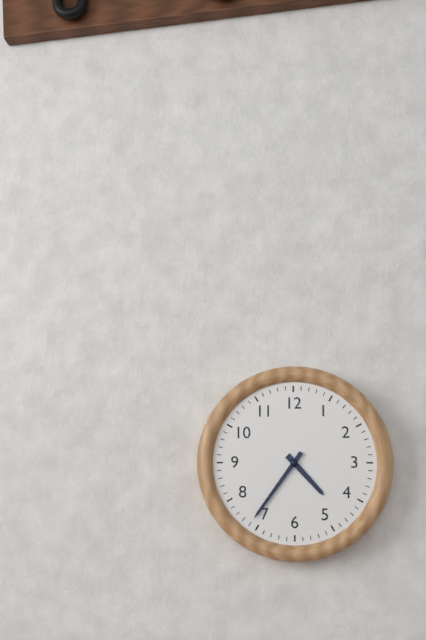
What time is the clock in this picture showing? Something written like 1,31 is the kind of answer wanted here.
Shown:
4,36
